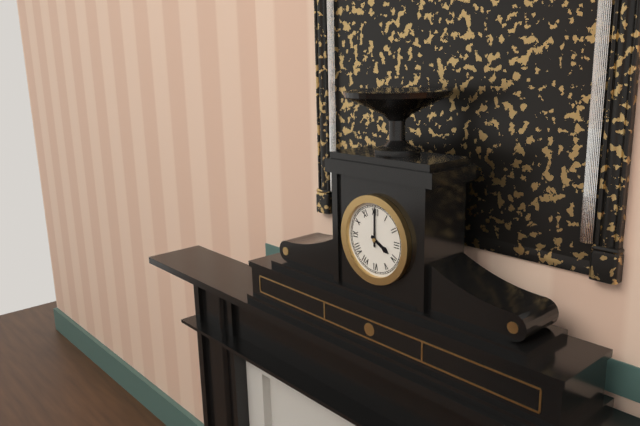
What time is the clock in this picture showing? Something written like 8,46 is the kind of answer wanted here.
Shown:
4,00
